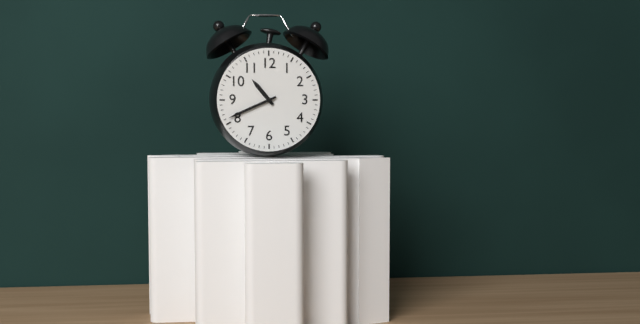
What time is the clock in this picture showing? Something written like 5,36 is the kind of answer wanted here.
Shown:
10,41
